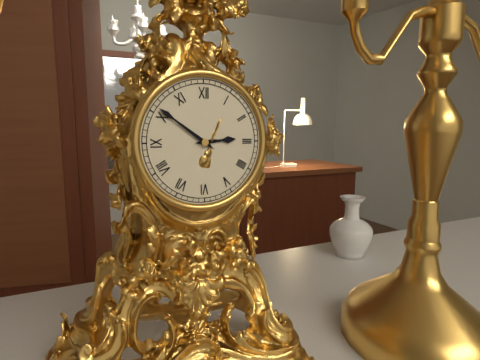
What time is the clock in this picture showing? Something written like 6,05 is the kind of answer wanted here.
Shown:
2,51
